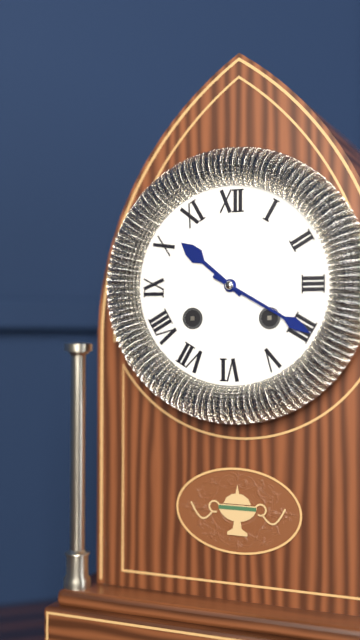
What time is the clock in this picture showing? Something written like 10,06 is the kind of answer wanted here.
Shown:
10,20
